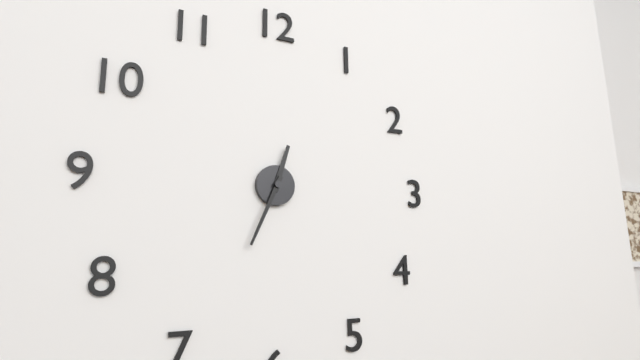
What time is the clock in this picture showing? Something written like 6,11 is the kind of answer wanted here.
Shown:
12,34
